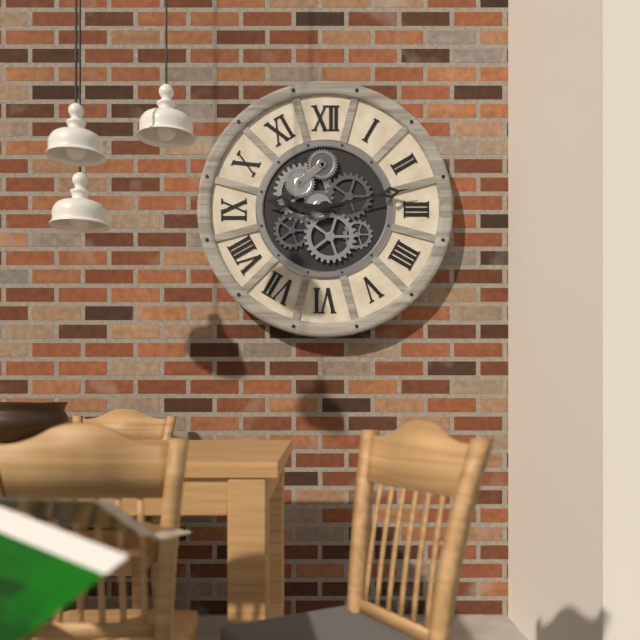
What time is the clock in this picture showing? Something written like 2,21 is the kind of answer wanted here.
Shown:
9,13
